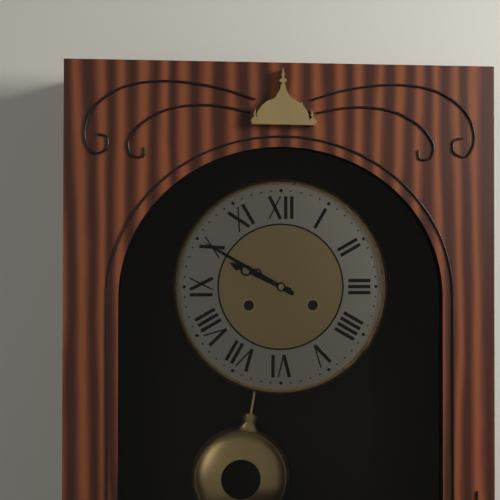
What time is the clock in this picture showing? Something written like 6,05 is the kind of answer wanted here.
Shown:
9,50
